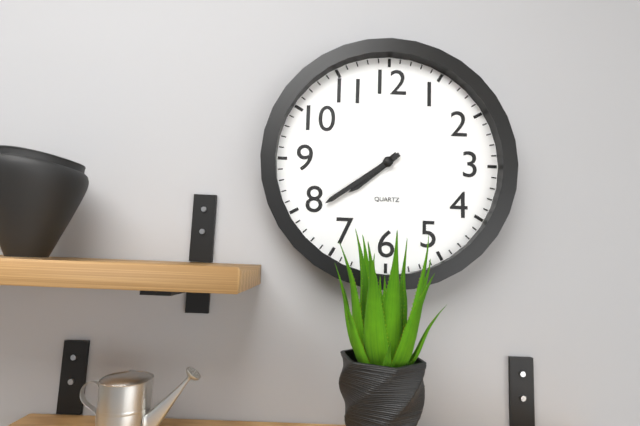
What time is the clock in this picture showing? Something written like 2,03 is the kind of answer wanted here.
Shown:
7,39
